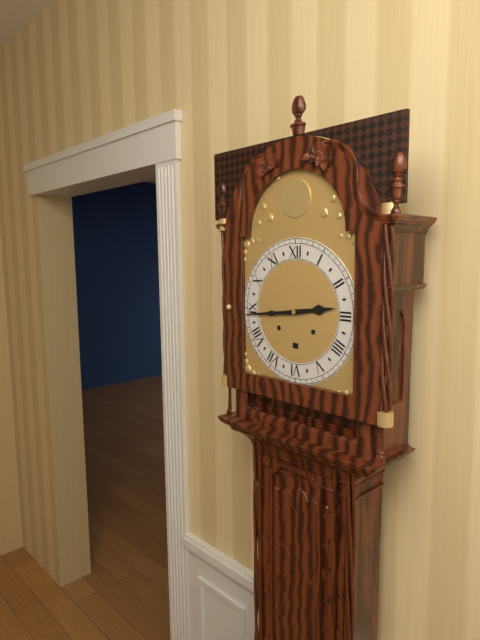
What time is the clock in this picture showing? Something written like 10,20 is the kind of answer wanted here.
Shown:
2,44
